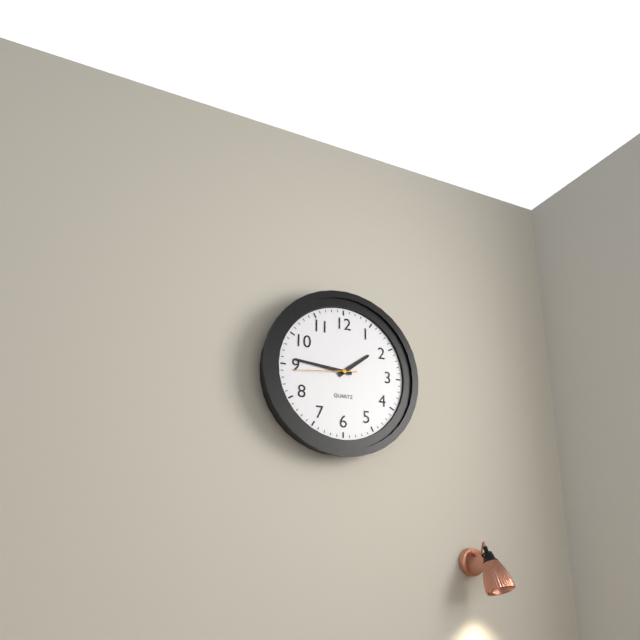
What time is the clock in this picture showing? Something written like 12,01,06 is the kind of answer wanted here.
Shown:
1,46,44
